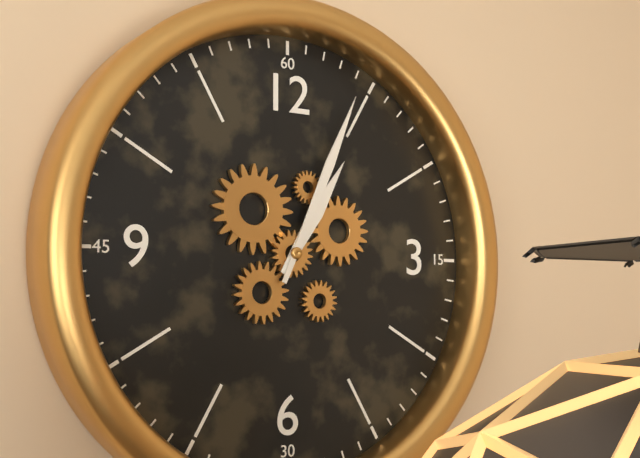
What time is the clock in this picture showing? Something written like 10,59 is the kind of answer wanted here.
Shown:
1,04
